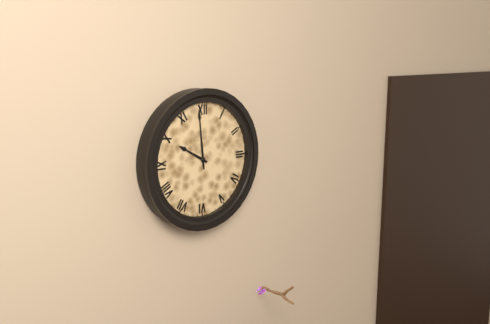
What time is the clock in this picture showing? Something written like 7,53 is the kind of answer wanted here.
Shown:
9,59
